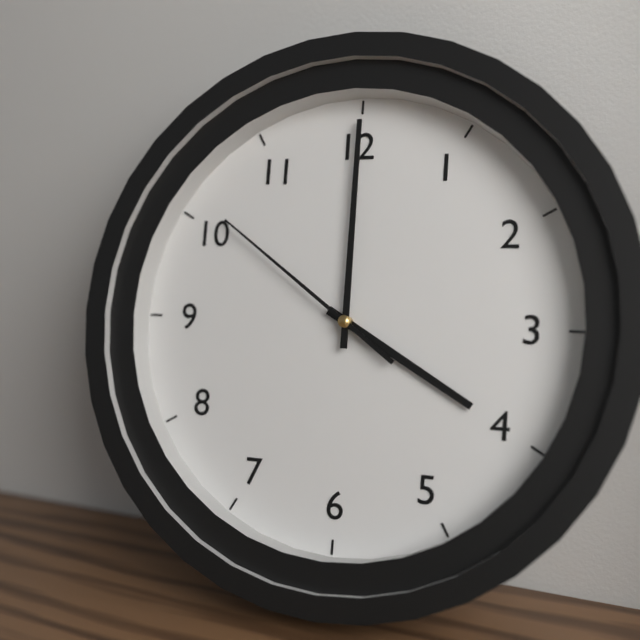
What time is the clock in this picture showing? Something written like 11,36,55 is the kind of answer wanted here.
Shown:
4,00,51
